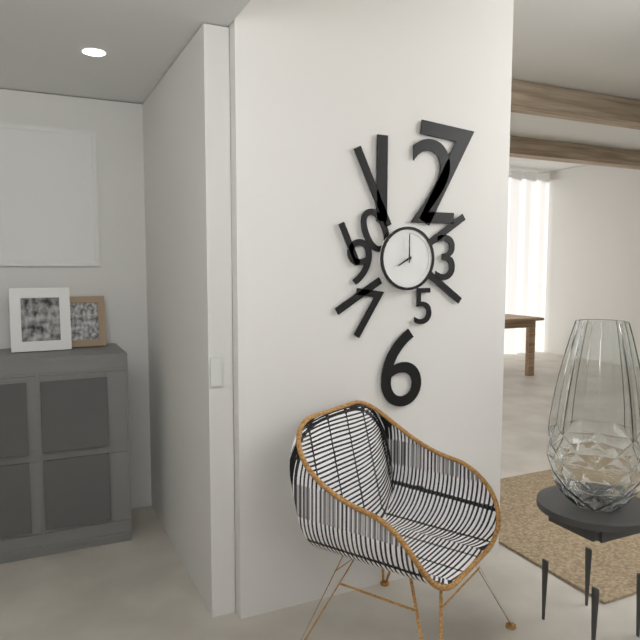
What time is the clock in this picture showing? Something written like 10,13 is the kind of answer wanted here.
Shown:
8,00
